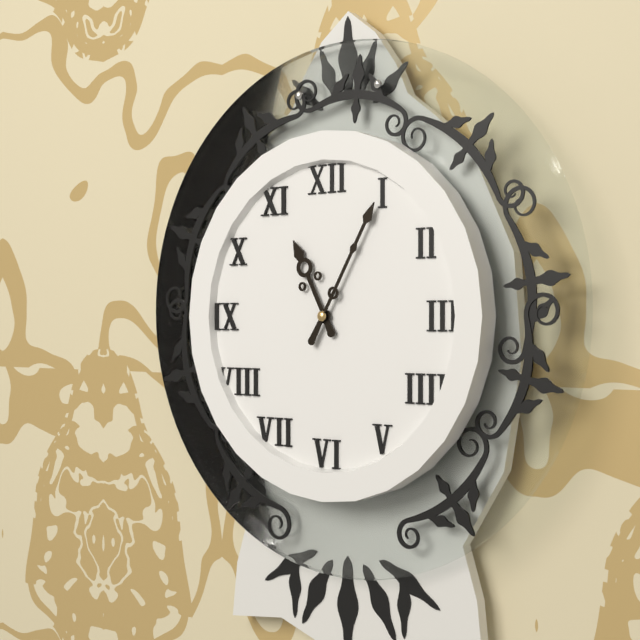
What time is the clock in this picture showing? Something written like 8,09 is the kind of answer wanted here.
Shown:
11,05
